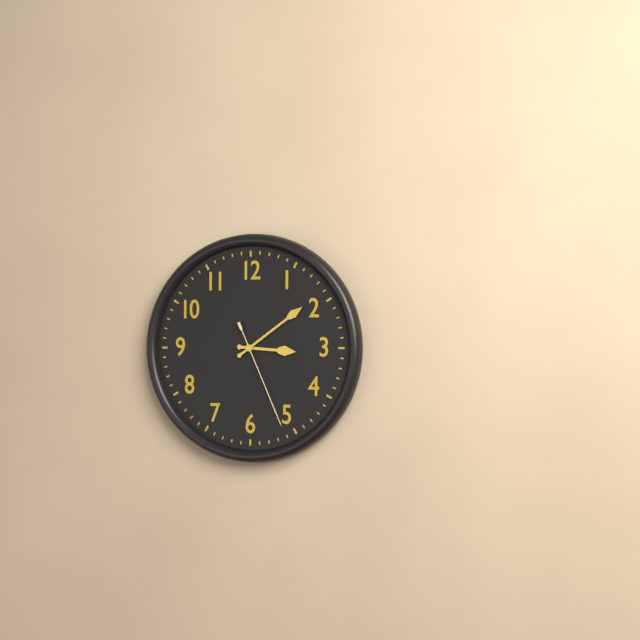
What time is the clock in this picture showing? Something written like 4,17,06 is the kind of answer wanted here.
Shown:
3,09,26
